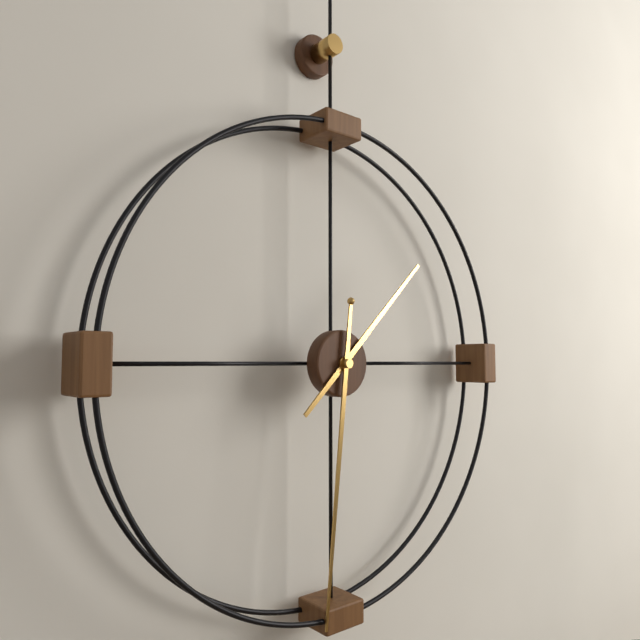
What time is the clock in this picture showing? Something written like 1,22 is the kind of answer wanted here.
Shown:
1,31
